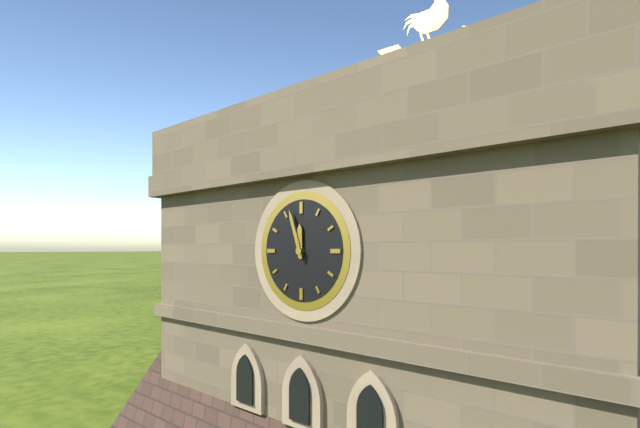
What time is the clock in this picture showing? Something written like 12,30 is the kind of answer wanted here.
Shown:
11,57
